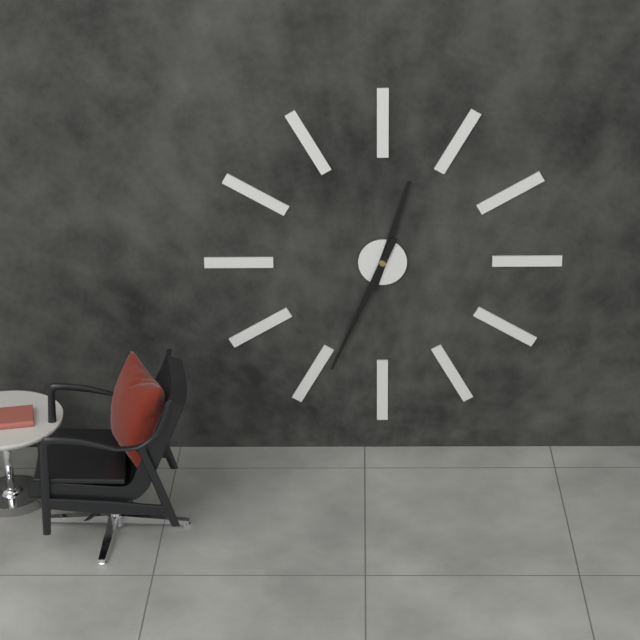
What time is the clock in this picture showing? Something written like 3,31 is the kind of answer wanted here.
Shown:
12,34
